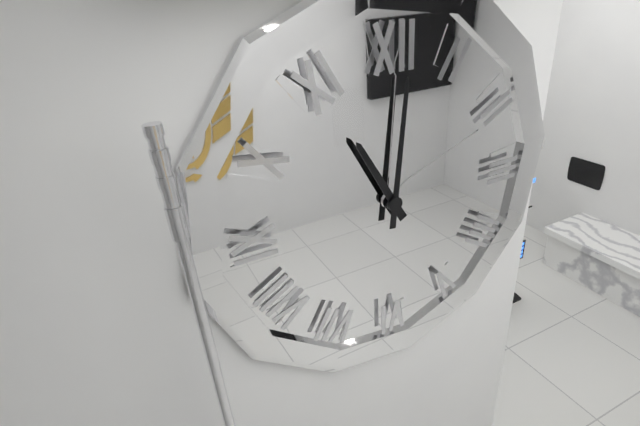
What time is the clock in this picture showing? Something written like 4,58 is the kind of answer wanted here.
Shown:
11,01
